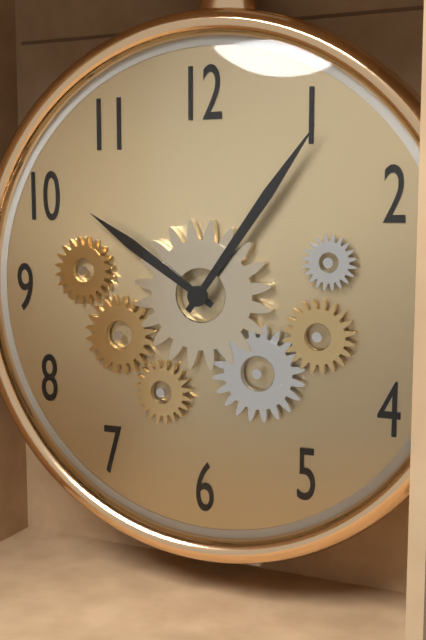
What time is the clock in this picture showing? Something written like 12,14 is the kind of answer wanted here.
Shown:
10,06
